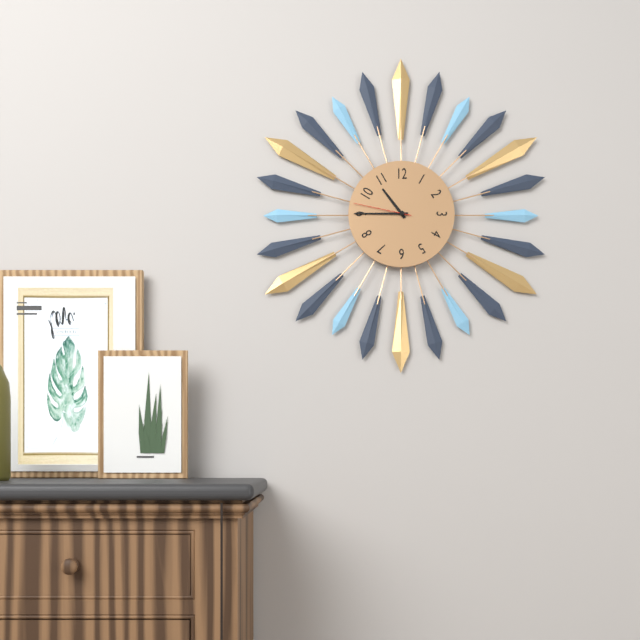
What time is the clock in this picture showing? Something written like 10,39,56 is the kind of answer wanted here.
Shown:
10,45,47
